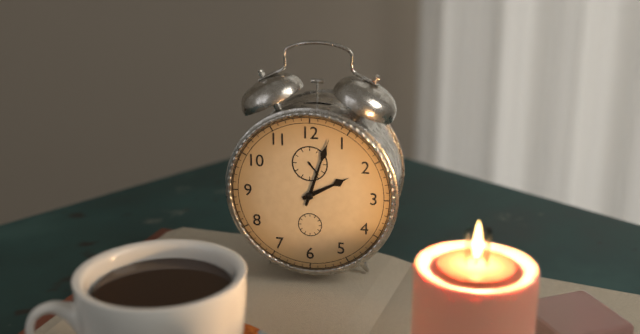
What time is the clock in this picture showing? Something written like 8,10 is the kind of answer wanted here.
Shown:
2,03
